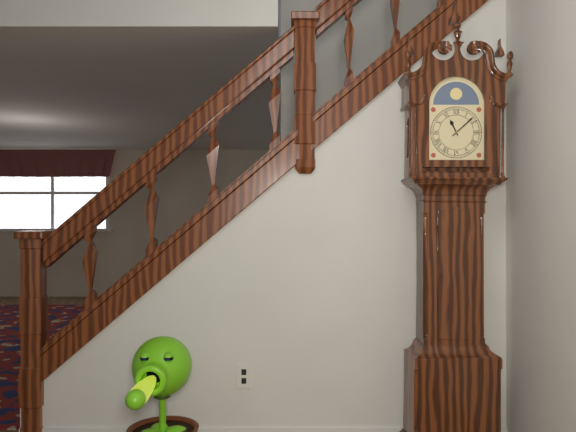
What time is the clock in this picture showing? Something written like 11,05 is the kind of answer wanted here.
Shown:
11,08
